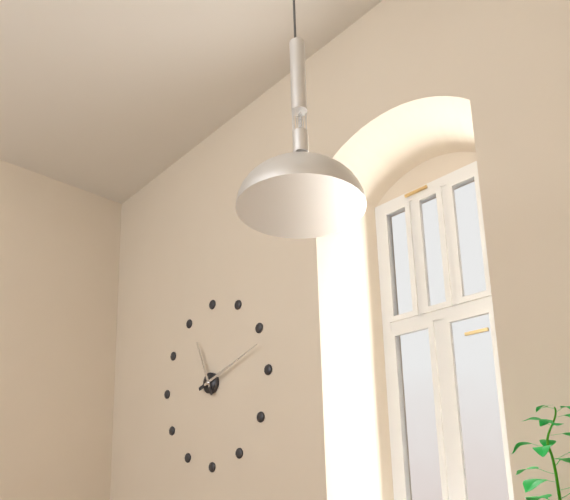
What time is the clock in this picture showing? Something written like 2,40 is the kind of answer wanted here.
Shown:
11,12
